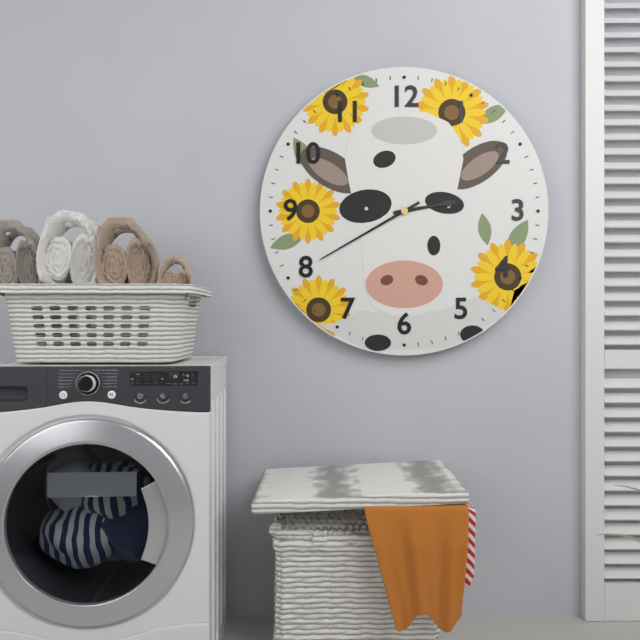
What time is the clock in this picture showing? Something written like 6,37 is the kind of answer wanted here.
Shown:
2,40
